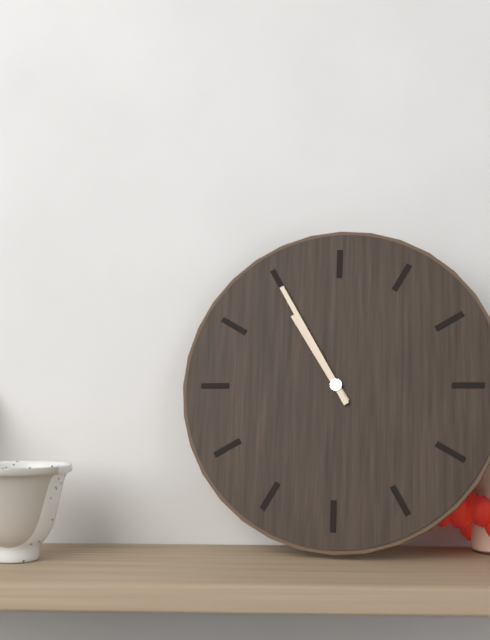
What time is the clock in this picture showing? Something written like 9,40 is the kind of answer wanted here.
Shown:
10,55
